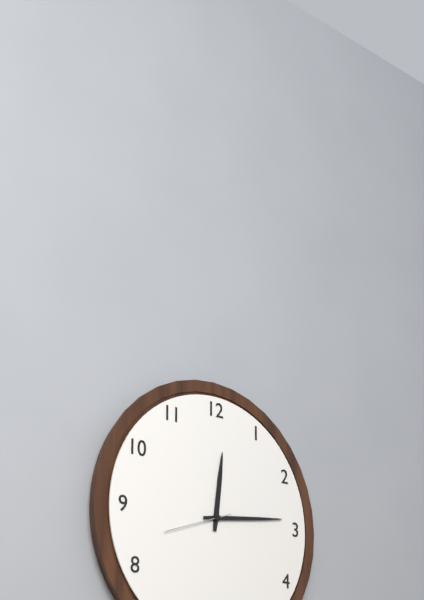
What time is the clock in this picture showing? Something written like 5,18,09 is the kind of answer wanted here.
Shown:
12,14,42
